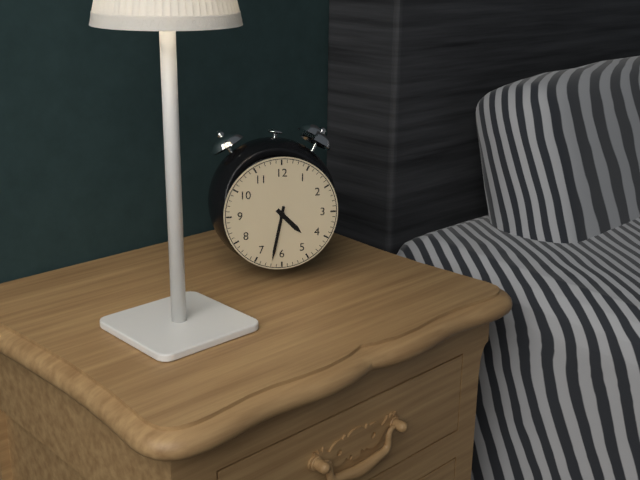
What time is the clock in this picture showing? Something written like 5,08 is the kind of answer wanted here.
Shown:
4,32
